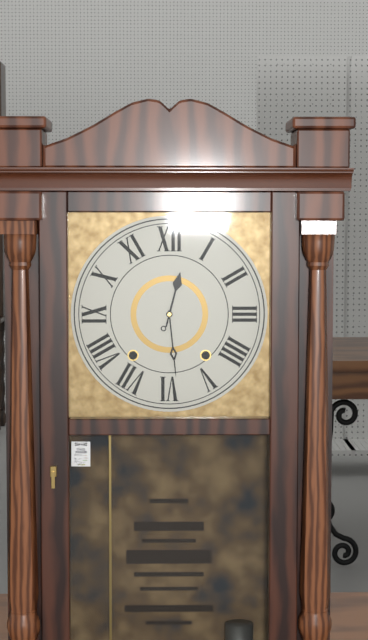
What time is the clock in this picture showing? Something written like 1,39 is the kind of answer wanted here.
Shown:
12,29
